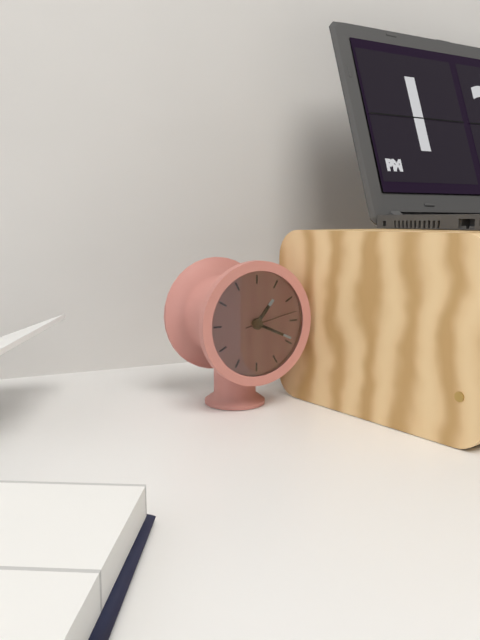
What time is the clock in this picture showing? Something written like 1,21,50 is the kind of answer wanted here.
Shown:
1,19,13
